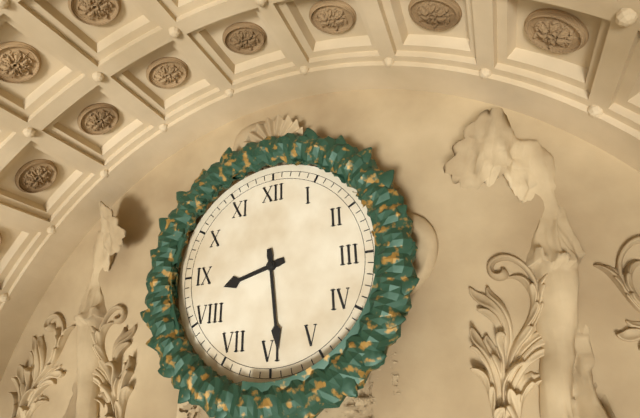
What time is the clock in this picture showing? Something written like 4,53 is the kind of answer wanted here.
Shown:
8,29
